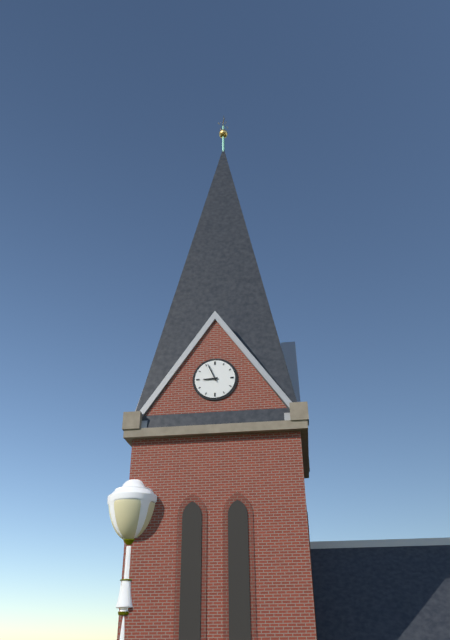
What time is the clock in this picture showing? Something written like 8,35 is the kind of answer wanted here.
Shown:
8,56
